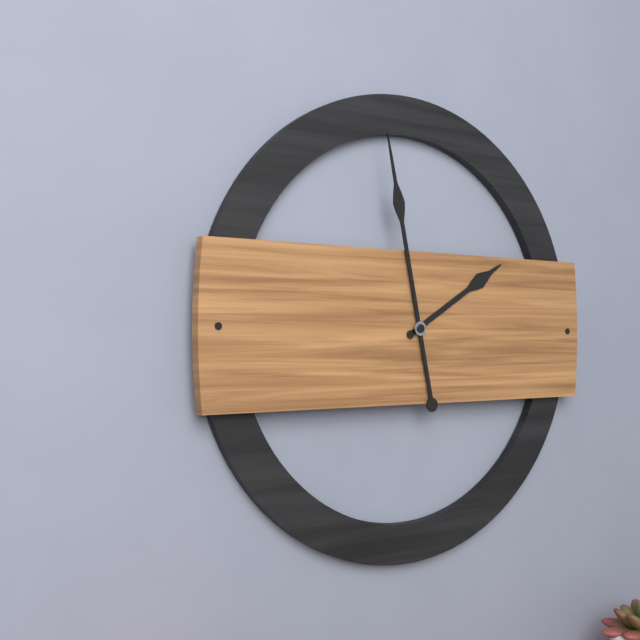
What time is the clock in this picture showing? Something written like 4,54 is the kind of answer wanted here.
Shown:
1,58
